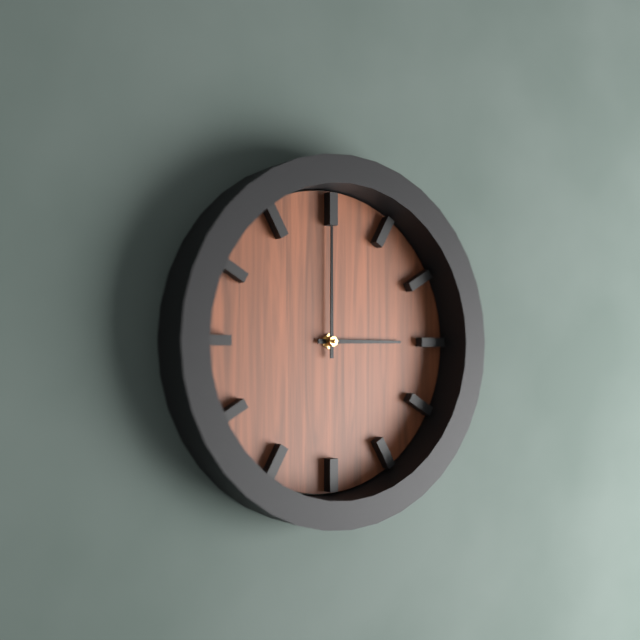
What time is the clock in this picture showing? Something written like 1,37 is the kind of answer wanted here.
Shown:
3,00
